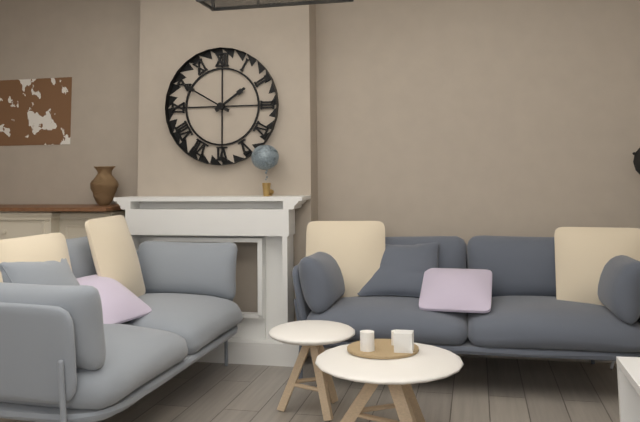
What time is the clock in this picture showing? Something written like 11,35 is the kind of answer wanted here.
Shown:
1,50
